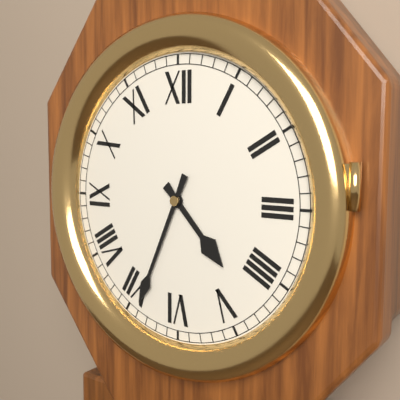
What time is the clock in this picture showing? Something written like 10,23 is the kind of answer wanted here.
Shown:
4,34
